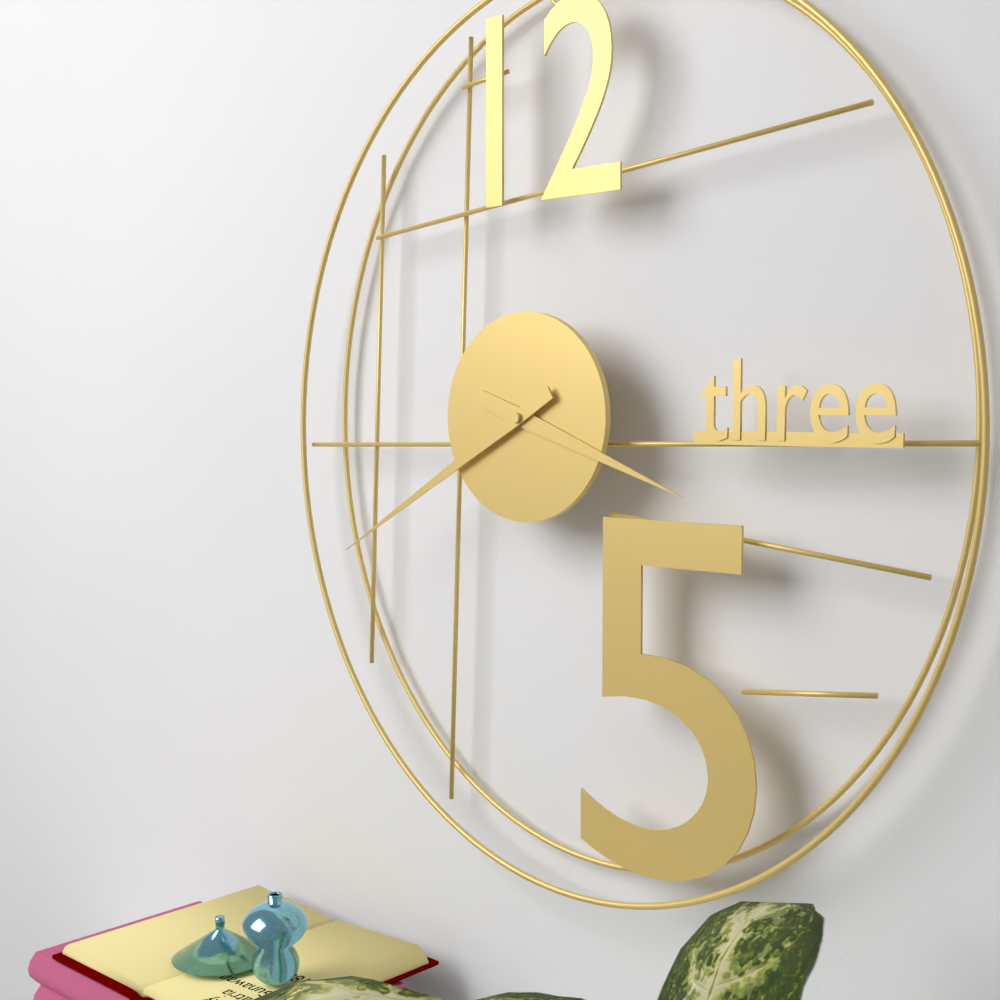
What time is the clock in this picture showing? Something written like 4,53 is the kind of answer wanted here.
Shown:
3,40
